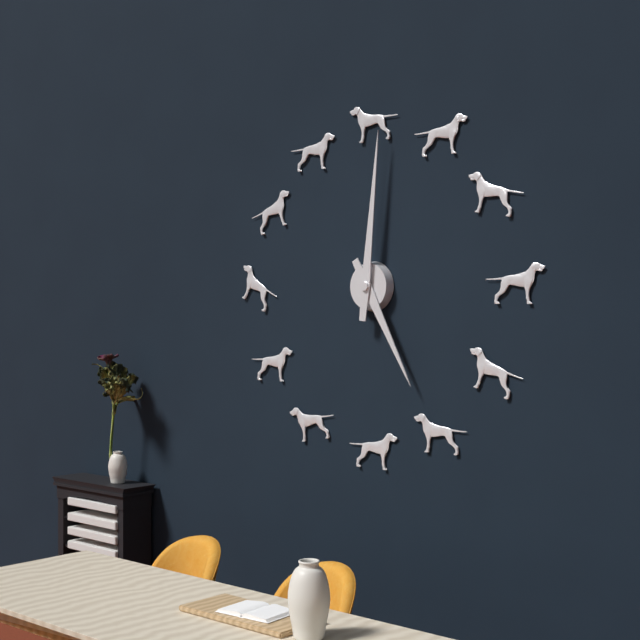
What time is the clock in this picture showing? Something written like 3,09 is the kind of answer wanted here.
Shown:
5,01
